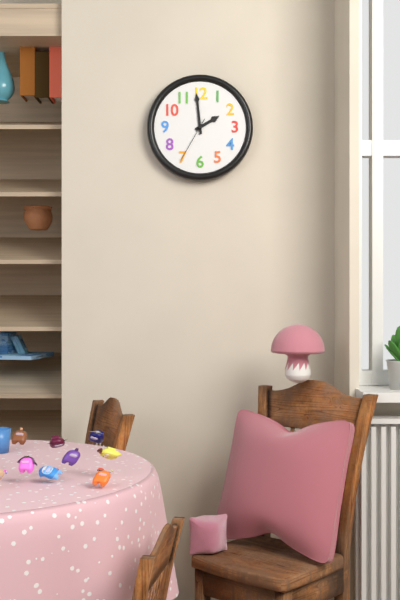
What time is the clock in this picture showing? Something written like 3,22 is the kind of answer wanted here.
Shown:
1,59
